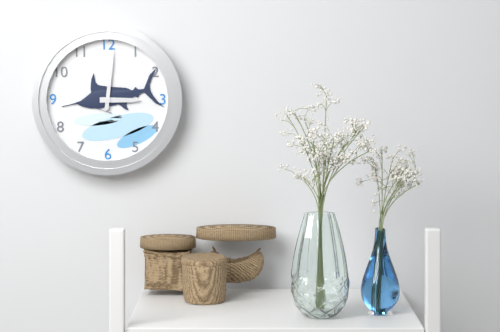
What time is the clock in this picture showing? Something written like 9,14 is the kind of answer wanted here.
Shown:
3,01
